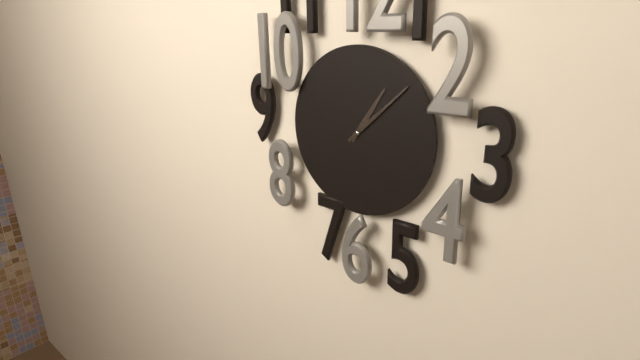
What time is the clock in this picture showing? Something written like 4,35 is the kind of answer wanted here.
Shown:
1,08
